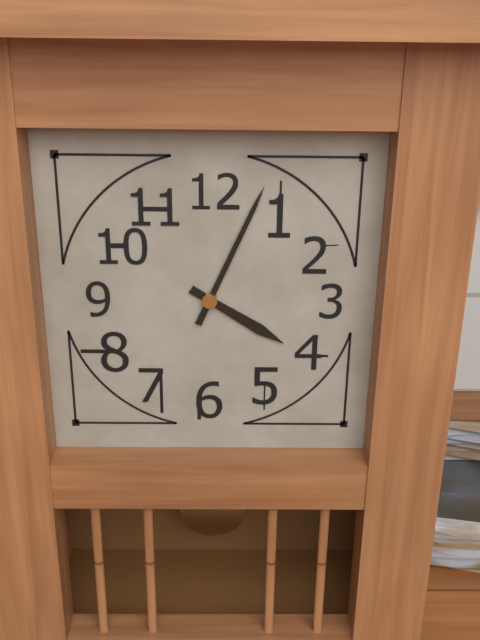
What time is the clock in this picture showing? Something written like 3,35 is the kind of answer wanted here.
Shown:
4,04
